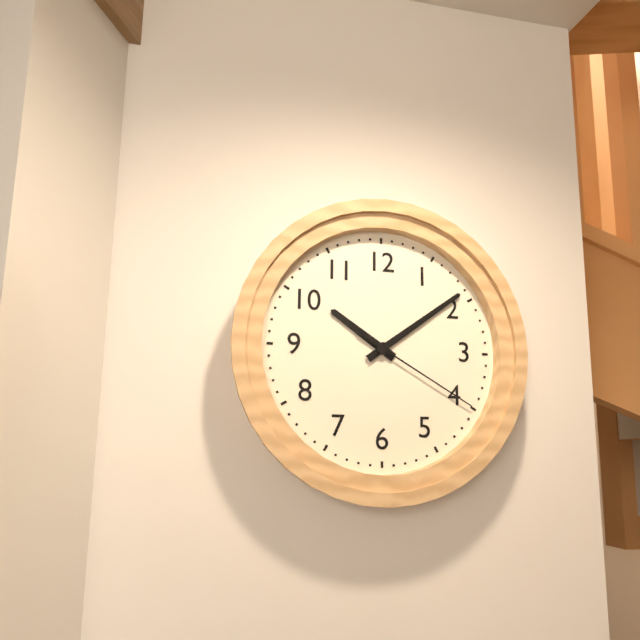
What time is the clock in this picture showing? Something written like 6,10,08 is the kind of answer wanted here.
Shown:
10,09,20
